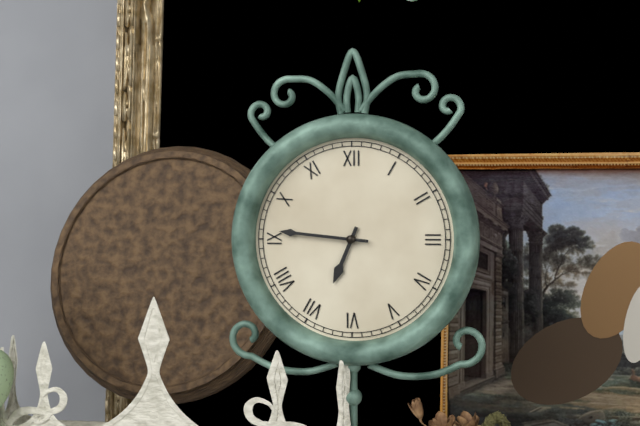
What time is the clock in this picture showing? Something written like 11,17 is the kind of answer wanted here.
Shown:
6,46
